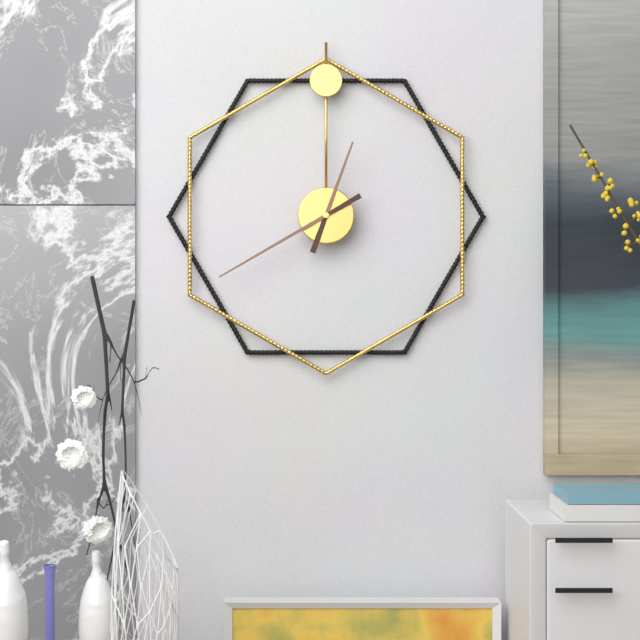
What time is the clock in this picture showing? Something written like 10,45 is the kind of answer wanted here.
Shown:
12,40
